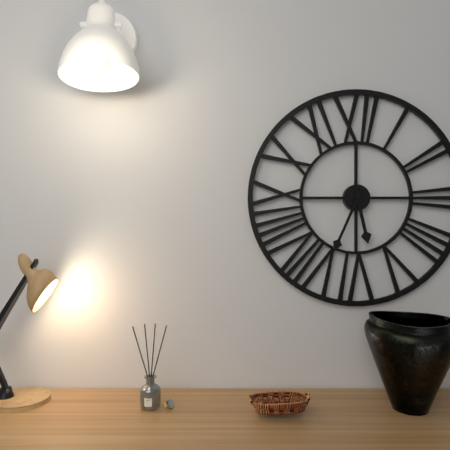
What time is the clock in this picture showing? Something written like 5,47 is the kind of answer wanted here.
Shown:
5,34
